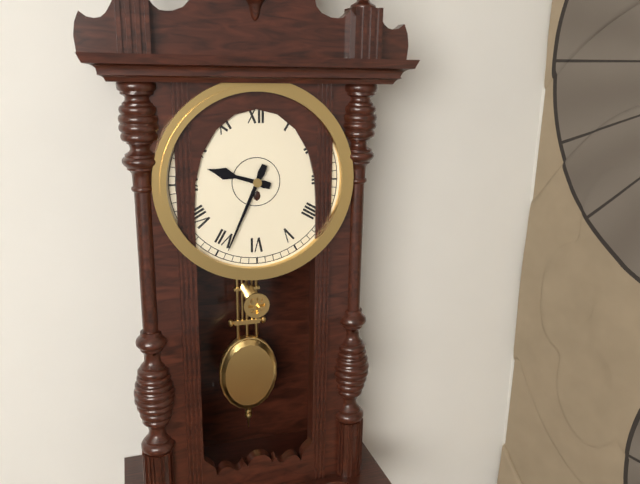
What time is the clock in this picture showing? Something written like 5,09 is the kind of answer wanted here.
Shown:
9,34
